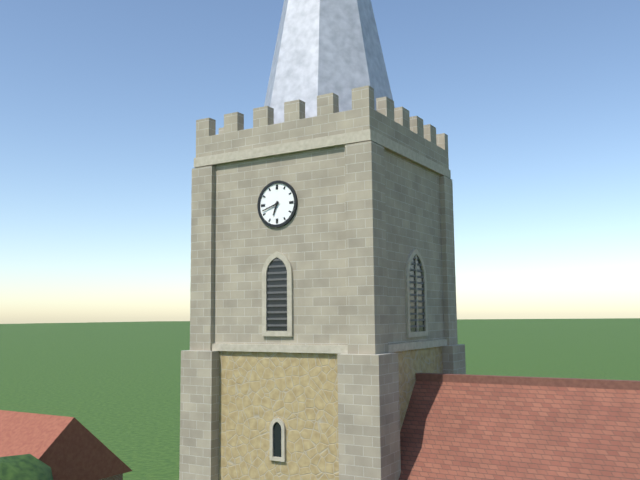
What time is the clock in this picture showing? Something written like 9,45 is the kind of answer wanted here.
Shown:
6,42
